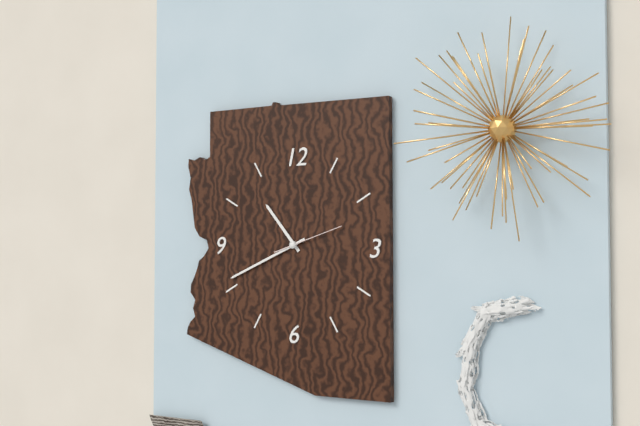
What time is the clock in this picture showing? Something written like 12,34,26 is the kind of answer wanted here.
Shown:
10,41,12
